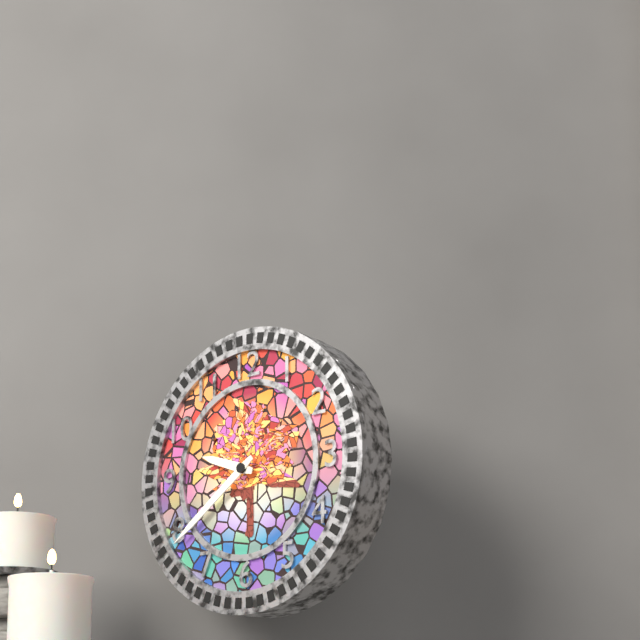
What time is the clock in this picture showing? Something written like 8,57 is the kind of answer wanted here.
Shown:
9,39
